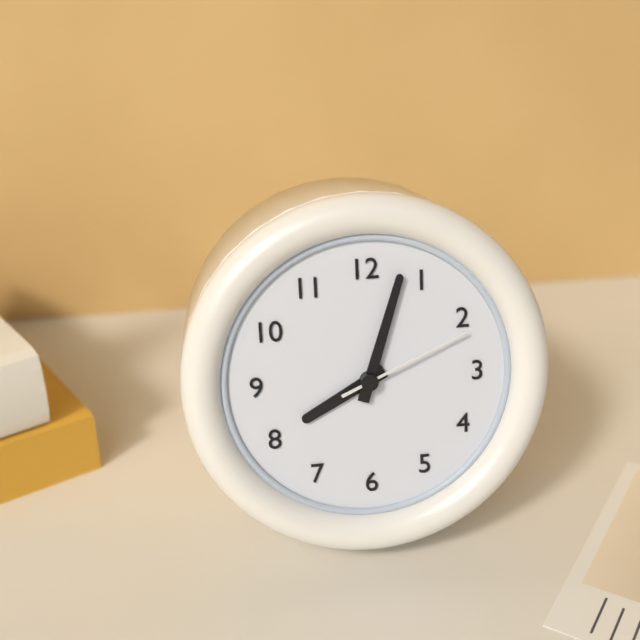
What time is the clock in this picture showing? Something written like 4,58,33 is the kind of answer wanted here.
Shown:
8,03,11
